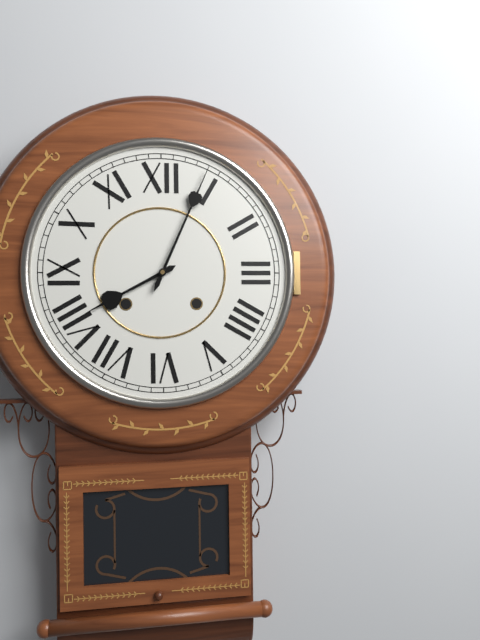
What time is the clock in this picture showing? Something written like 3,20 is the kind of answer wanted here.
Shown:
8,04
